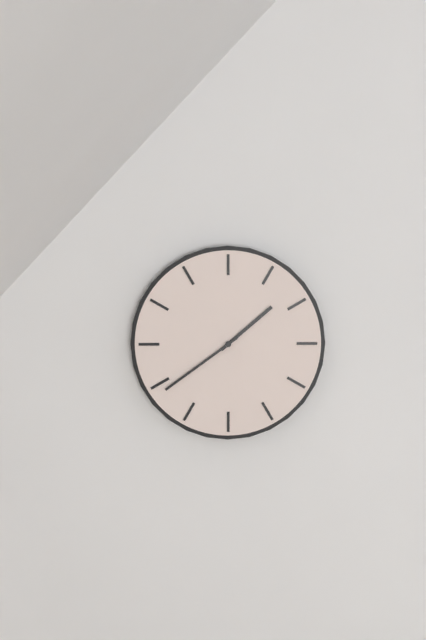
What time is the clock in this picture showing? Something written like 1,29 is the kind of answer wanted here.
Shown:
1,39
